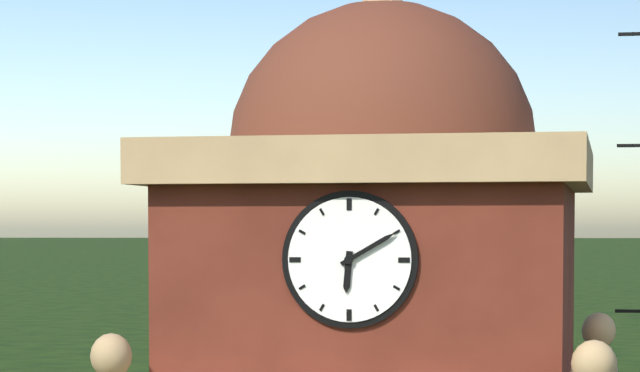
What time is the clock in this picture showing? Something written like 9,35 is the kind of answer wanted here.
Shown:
6,10
